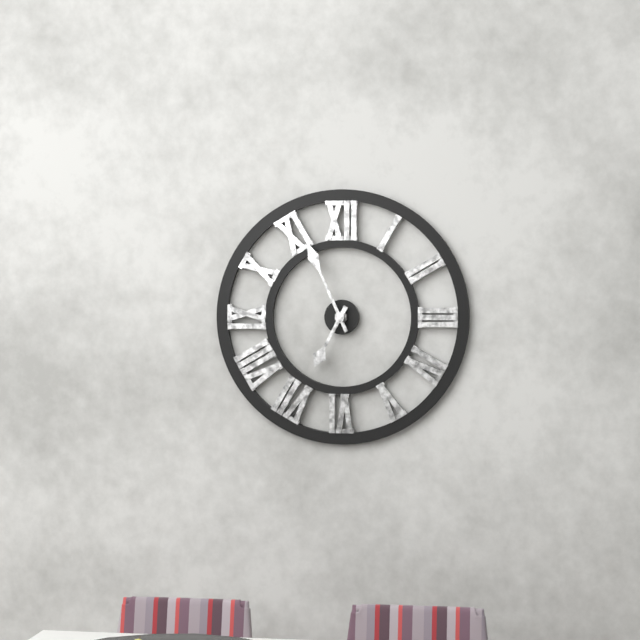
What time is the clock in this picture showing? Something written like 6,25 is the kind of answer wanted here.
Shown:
6,56
